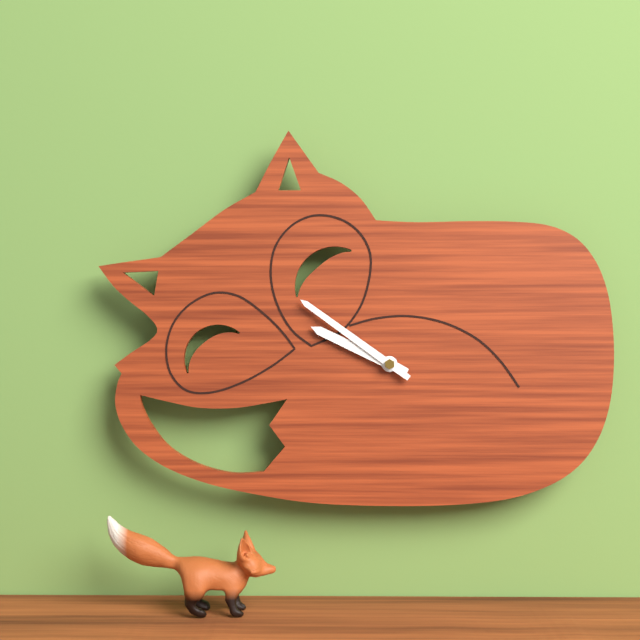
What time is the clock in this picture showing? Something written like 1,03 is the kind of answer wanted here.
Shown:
9,51
